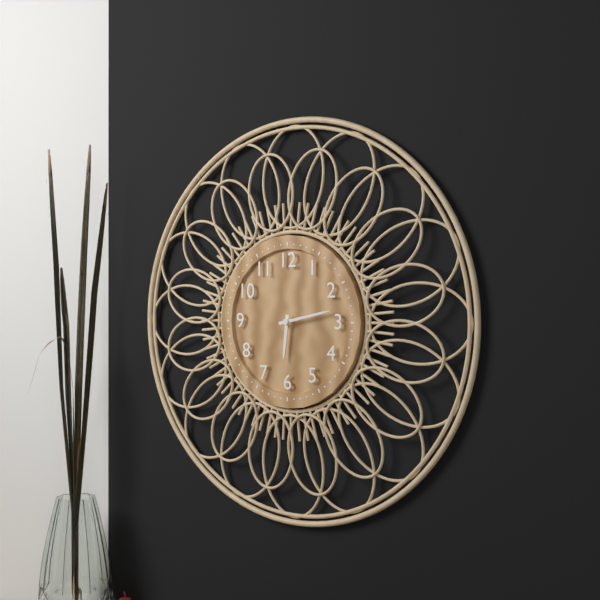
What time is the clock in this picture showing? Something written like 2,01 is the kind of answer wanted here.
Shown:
6,13
